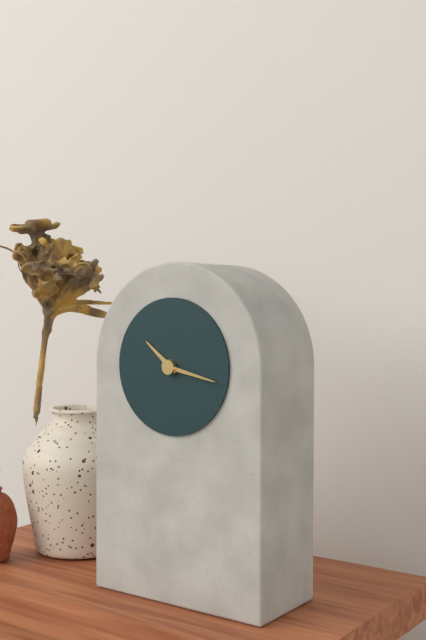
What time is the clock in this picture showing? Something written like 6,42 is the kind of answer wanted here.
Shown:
10,17
